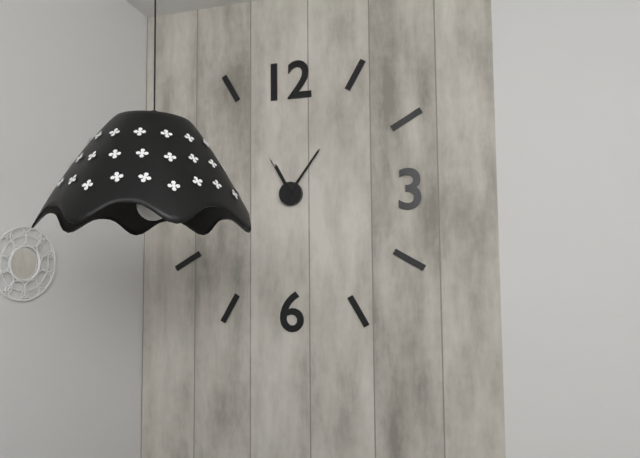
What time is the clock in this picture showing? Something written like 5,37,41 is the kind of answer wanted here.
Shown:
11,06,55
